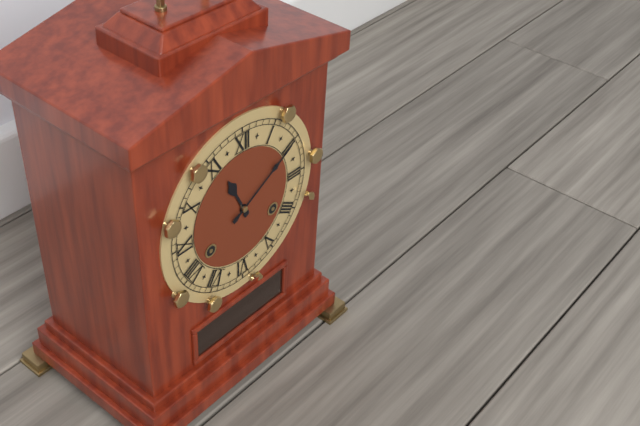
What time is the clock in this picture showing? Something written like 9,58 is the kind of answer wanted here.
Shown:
11,10
